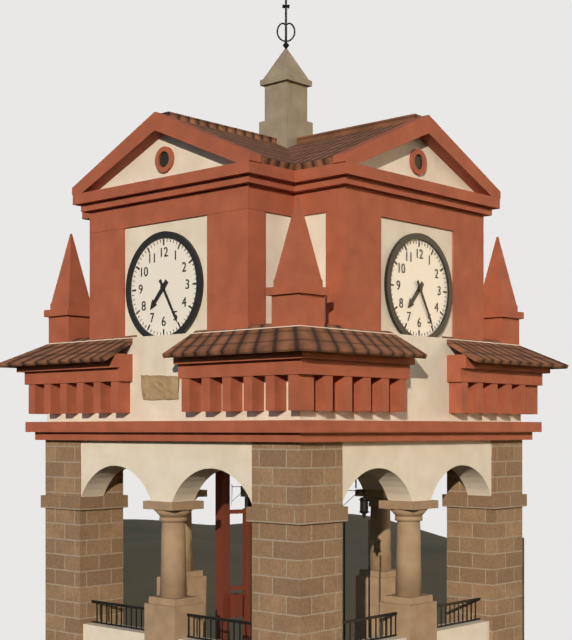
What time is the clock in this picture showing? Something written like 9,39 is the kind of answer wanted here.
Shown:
7,25
